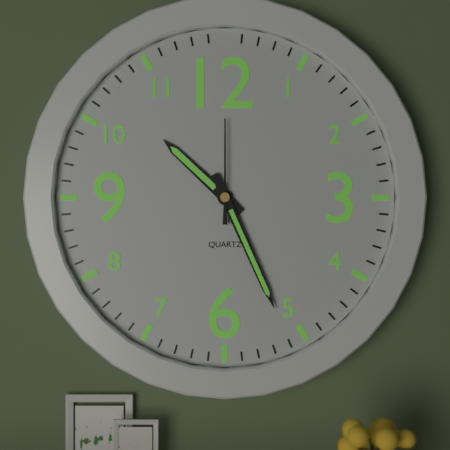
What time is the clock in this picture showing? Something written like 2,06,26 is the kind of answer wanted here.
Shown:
10,26,00
